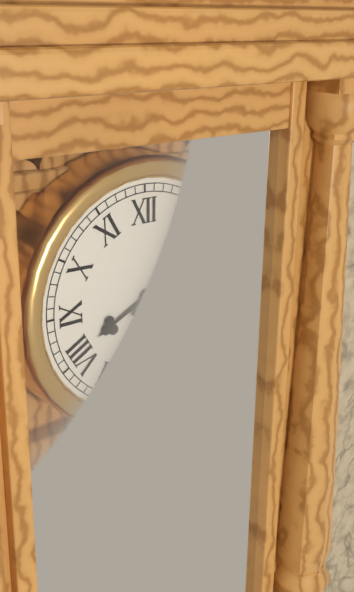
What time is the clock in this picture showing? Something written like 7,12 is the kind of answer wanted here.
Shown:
8,08
